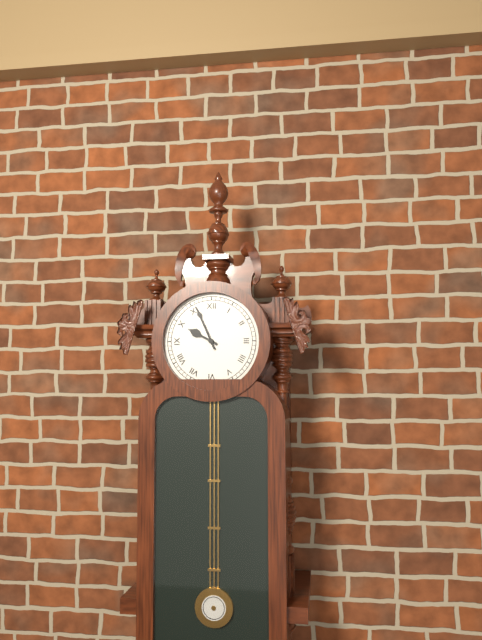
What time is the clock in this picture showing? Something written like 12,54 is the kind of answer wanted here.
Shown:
9,56
